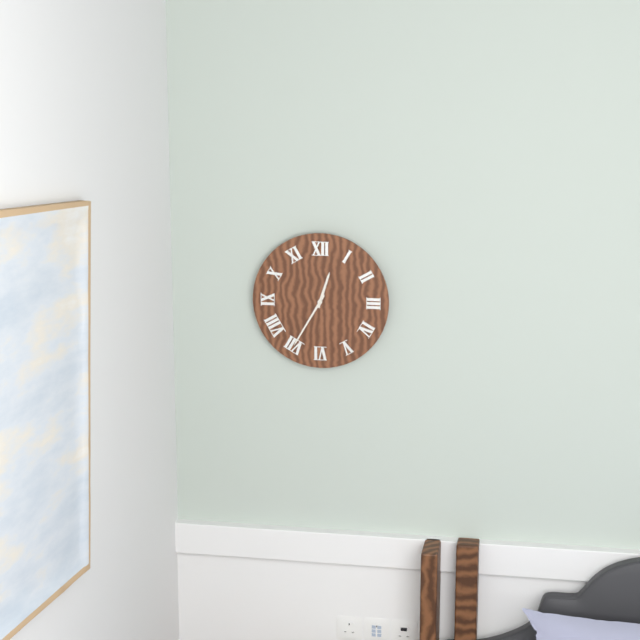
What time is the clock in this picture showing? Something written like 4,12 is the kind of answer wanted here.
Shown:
12,35
